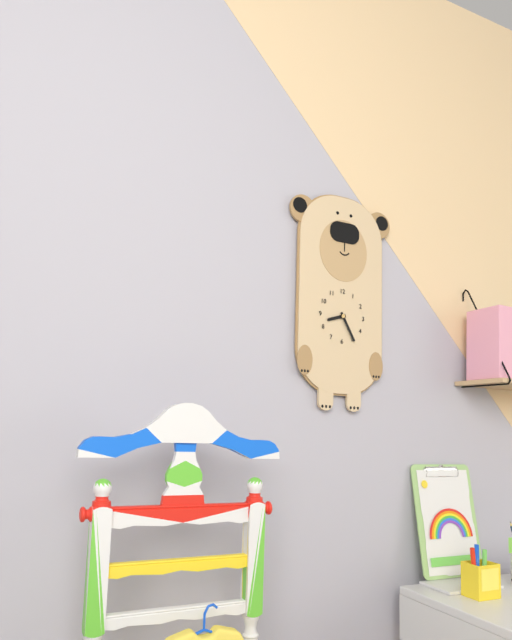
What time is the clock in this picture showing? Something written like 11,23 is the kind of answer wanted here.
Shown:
8,25
